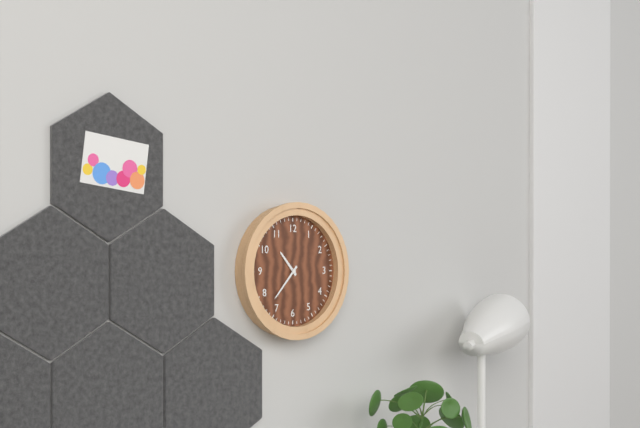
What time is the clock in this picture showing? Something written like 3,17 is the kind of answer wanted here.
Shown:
10,37
